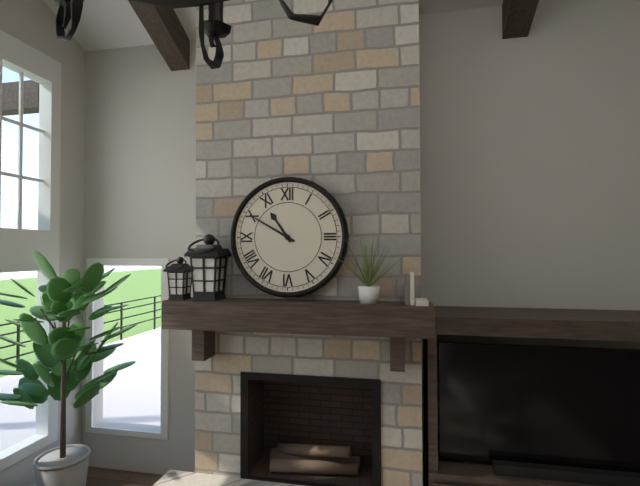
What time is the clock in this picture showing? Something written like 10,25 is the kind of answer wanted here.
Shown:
10,50
